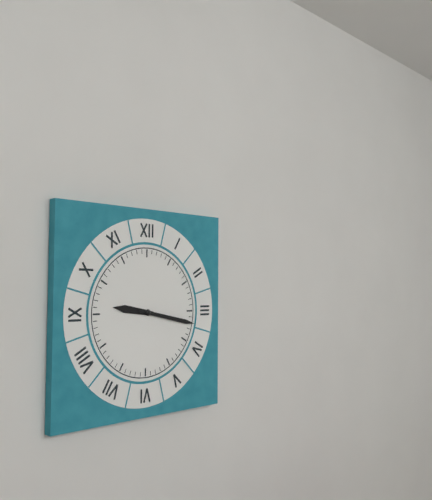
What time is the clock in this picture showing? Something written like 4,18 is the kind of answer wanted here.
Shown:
9,17
